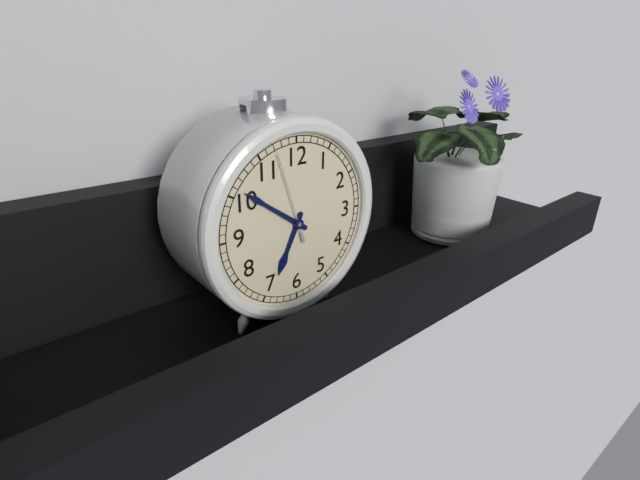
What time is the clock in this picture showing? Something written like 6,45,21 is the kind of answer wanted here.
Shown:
6,51,57
